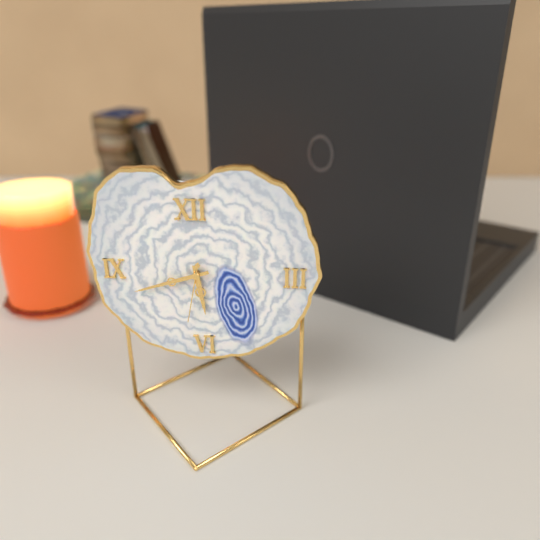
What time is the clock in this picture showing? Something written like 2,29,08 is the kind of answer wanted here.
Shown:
5,42,32
